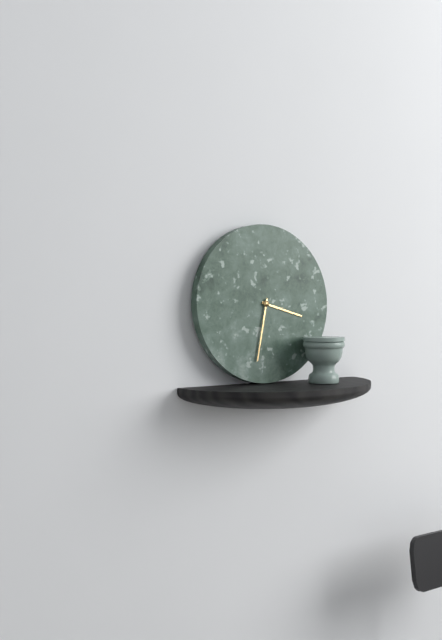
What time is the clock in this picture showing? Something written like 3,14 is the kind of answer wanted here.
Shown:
3,32
